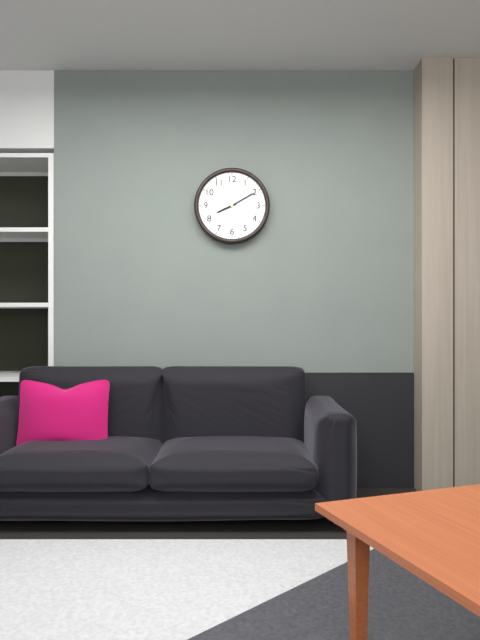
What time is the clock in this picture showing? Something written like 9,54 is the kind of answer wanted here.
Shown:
8,10
